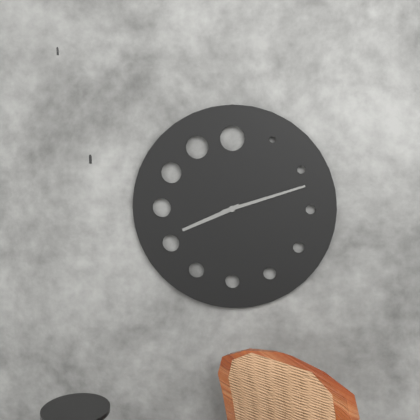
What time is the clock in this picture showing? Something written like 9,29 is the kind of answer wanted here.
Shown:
8,12
